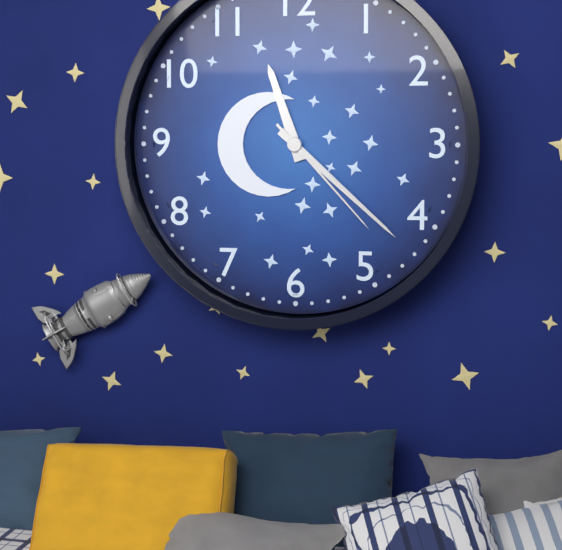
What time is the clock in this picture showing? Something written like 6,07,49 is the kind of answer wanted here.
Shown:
11,22,23
